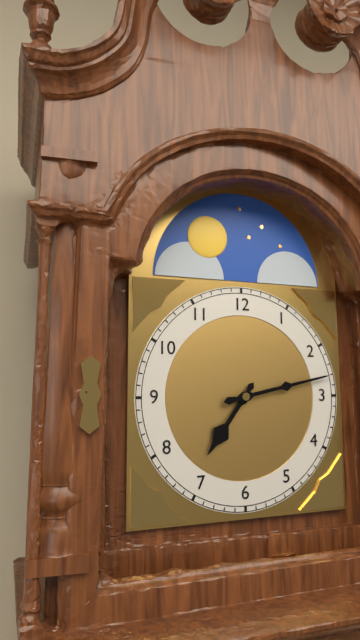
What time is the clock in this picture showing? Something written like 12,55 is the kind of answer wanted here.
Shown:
7,13
